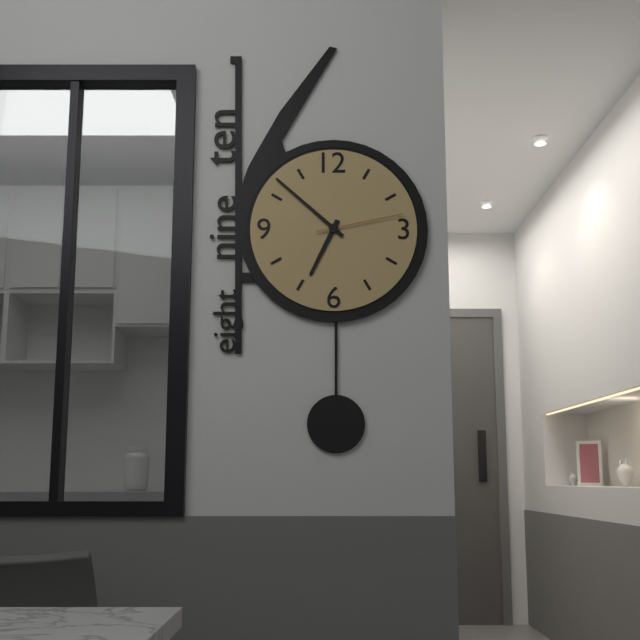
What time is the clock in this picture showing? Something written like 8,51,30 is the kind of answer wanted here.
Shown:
6,52,13
